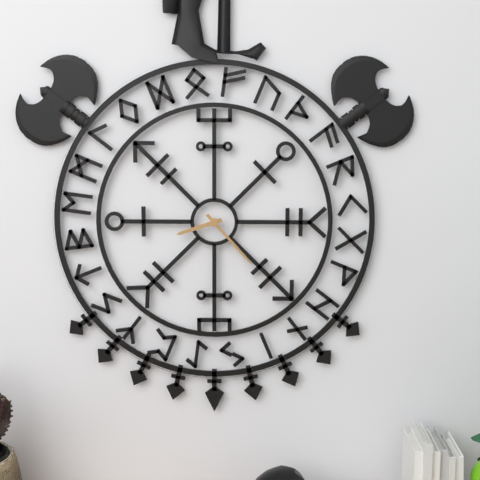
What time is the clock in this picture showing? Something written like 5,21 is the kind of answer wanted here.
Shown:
8,23
